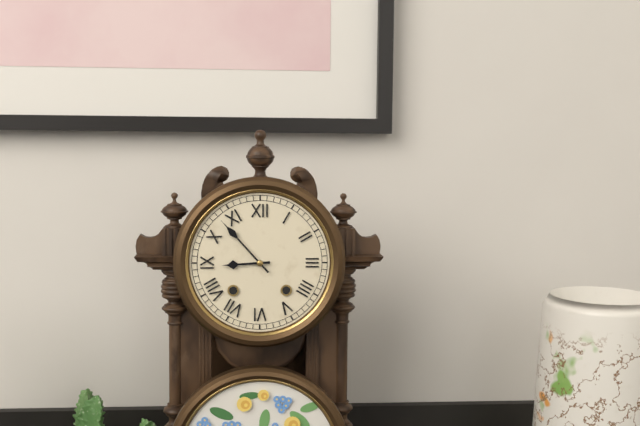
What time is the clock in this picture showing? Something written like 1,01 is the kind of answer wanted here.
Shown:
8,53
